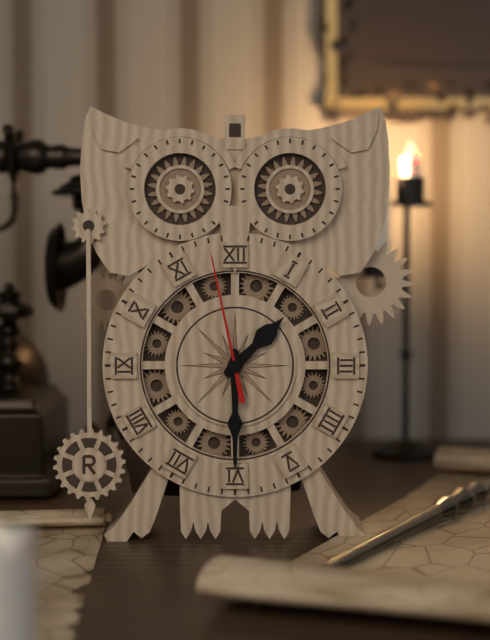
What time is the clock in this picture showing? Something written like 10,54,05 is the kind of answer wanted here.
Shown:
1,30,58
